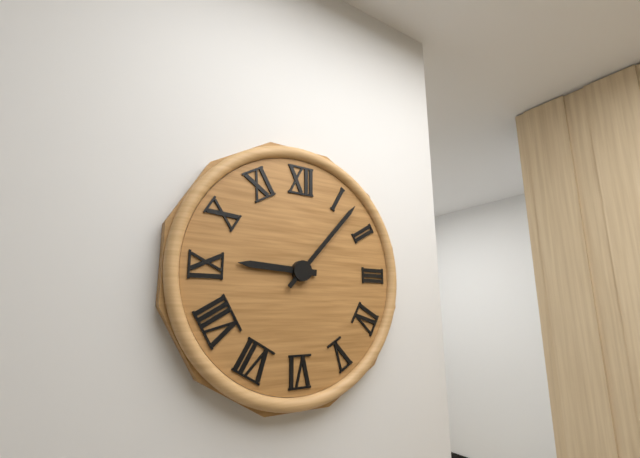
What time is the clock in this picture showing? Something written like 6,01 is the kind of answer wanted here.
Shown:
9,07
